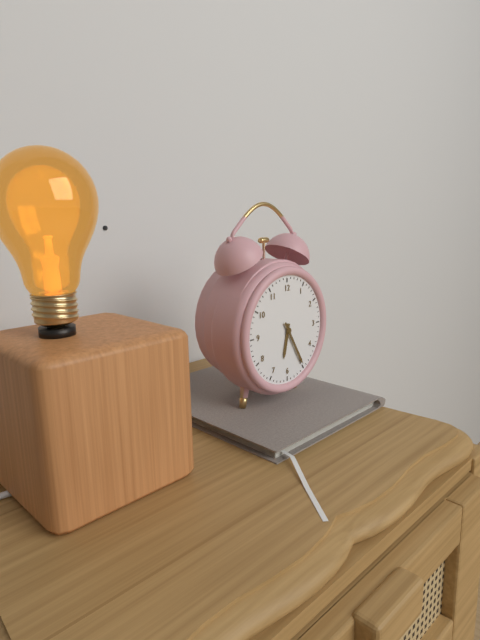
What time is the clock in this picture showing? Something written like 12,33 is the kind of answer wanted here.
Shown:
6,25
